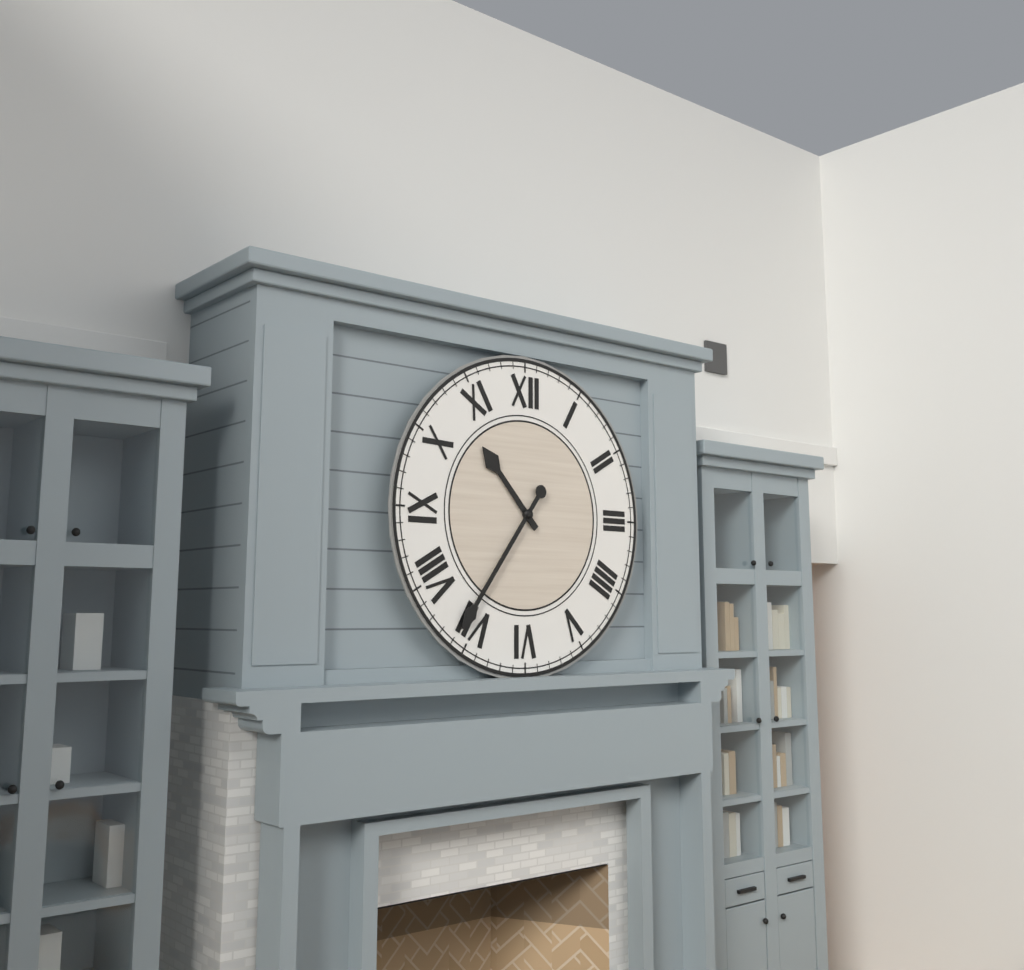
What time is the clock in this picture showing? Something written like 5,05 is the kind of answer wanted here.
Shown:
10,36
